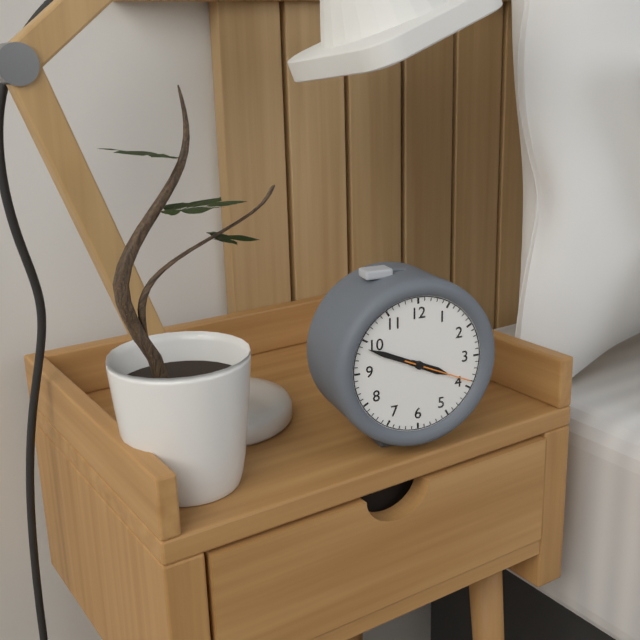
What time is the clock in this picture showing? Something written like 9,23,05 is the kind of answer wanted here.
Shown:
3,49,19
